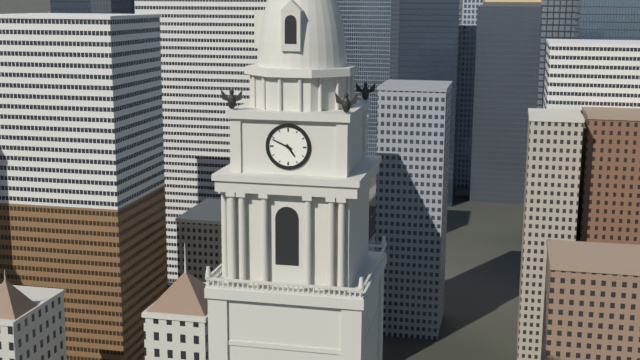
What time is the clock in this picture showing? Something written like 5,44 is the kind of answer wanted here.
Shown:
4,49
